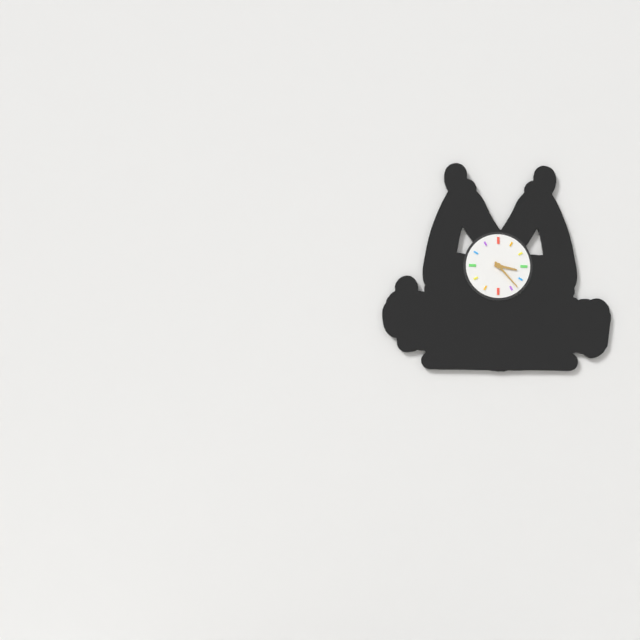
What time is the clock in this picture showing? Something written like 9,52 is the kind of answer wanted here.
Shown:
3,23
